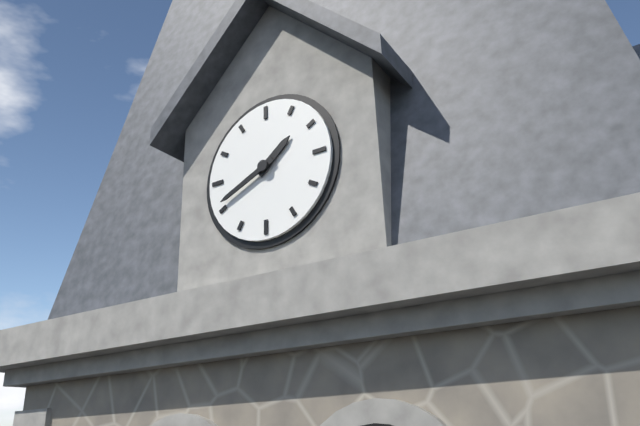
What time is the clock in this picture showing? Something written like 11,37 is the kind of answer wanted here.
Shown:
1,41
